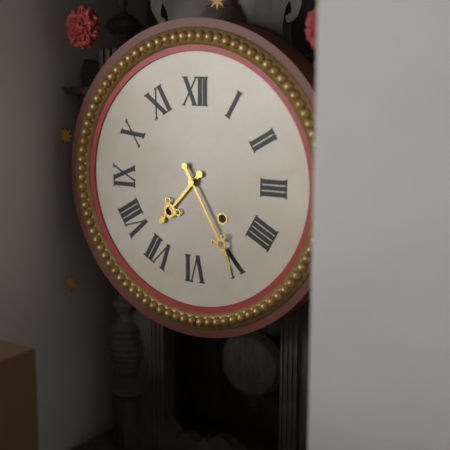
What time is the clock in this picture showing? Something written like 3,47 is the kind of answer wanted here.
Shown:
7,25
